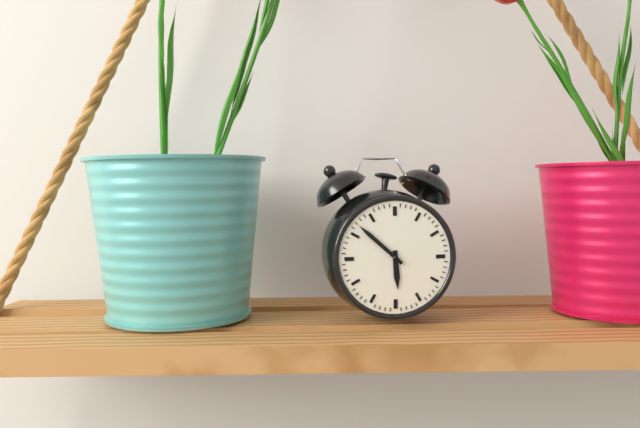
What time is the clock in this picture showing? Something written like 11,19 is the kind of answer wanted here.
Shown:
5,52
